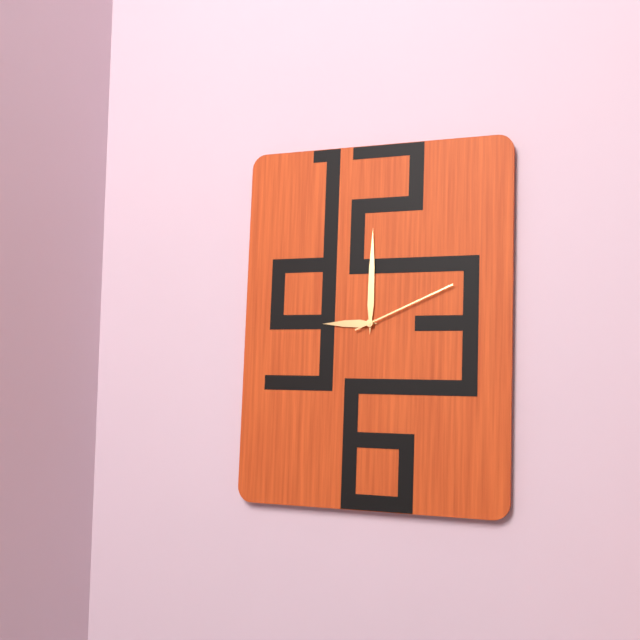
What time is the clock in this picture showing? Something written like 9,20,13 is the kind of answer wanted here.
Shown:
9,00,11
